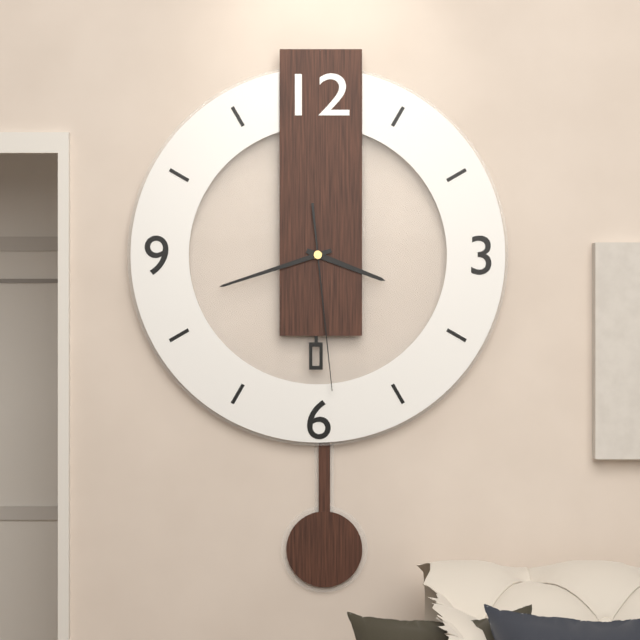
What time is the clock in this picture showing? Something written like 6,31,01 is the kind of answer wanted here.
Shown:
3,42,29
